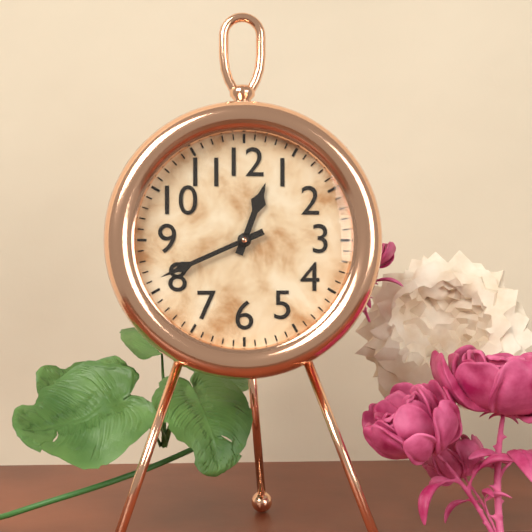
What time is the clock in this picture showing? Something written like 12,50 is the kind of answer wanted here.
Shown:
12,41
